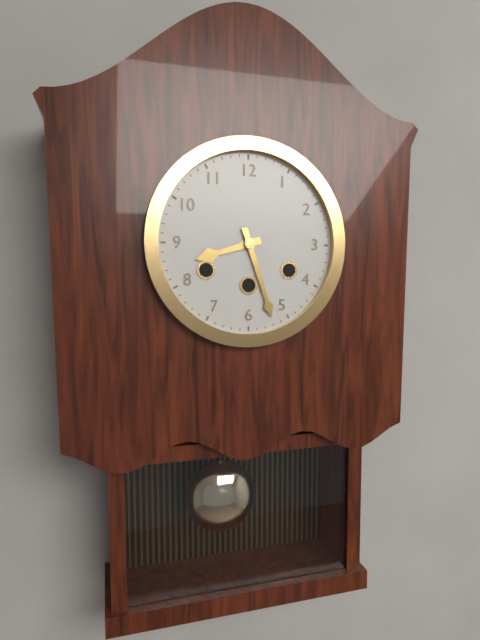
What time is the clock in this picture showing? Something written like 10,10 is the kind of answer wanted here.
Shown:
8,27
